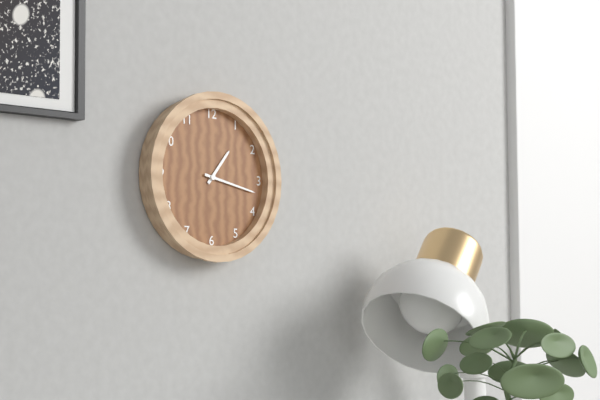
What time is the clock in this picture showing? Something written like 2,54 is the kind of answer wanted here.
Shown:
1,17
